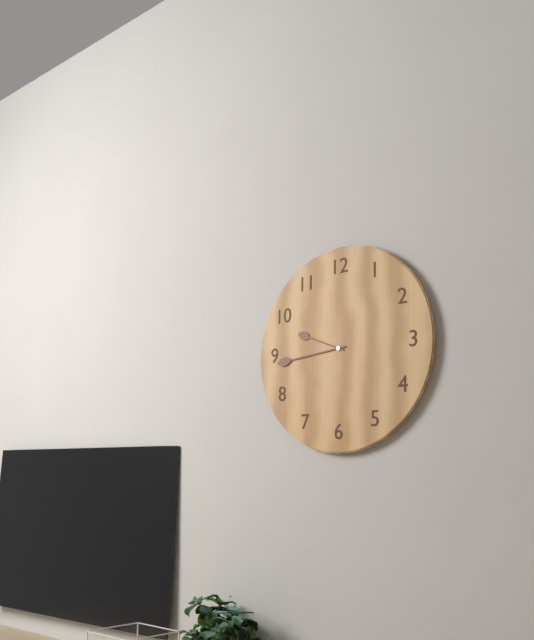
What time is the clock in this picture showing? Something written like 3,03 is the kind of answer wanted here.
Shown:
9,44
